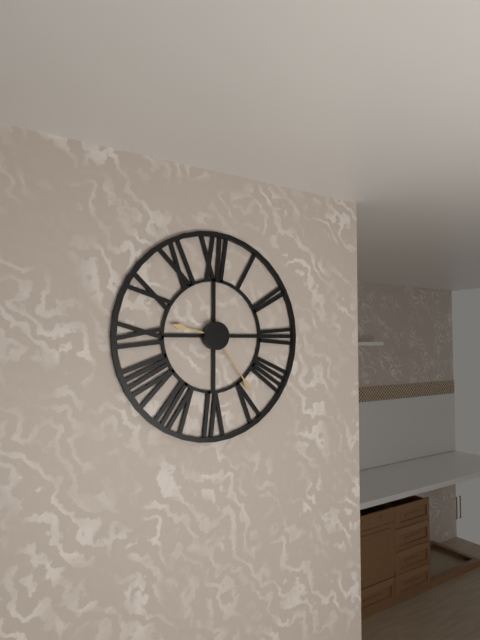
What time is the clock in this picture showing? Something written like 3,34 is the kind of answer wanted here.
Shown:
9,24
